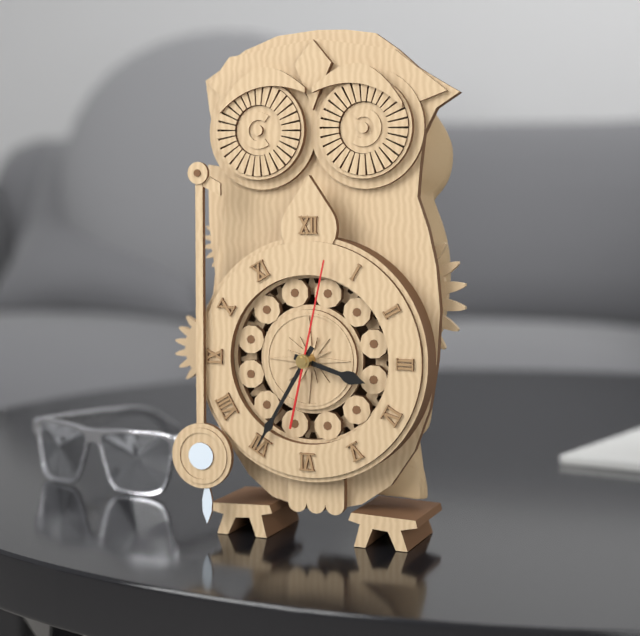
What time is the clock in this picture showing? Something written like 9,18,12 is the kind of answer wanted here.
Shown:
3,35,02
